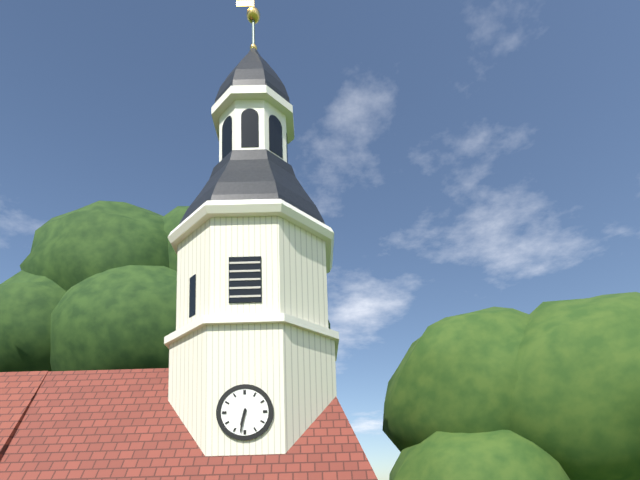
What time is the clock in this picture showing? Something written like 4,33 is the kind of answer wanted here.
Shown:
6,32
